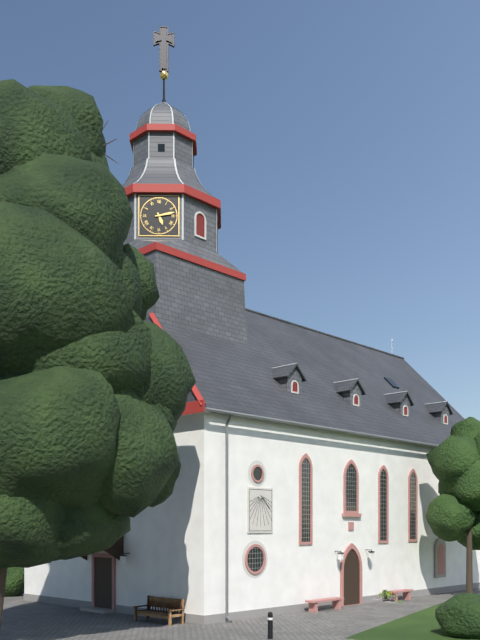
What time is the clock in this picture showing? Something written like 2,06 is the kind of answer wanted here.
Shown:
5,13
